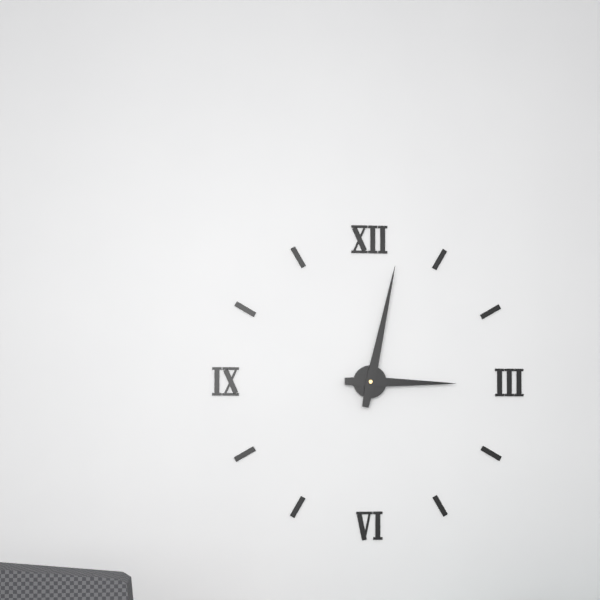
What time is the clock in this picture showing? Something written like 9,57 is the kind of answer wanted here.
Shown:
3,02
